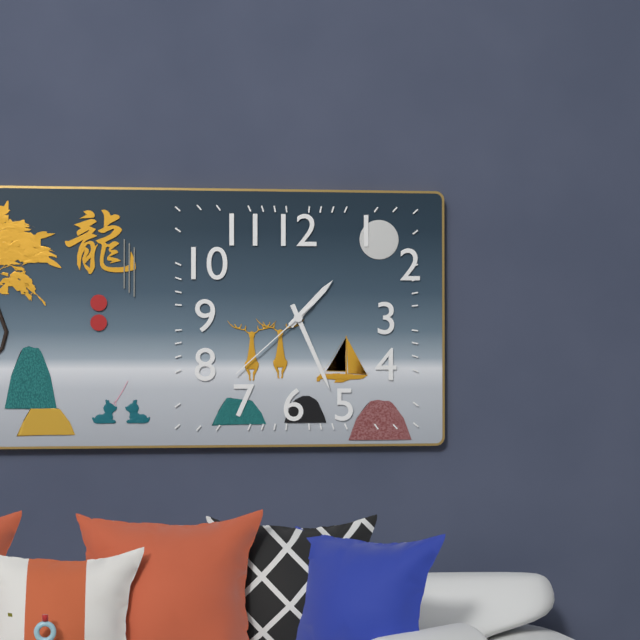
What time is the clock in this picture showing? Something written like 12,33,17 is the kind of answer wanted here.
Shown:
1,26,38
